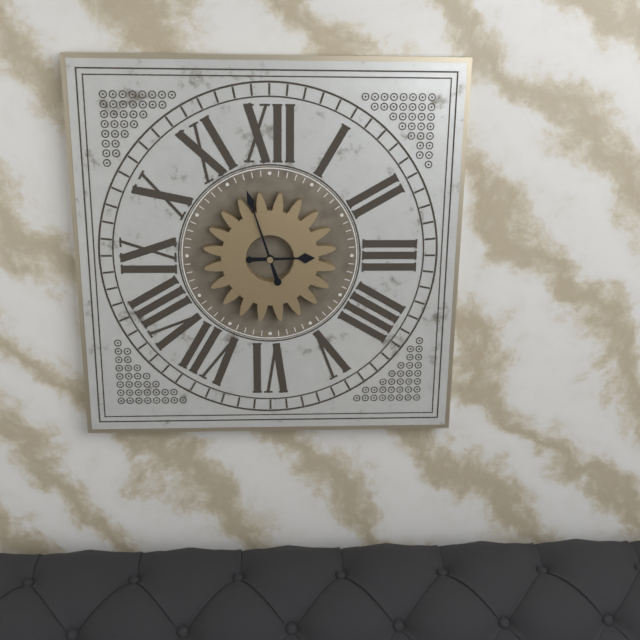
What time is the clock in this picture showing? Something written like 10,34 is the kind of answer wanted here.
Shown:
2,57
